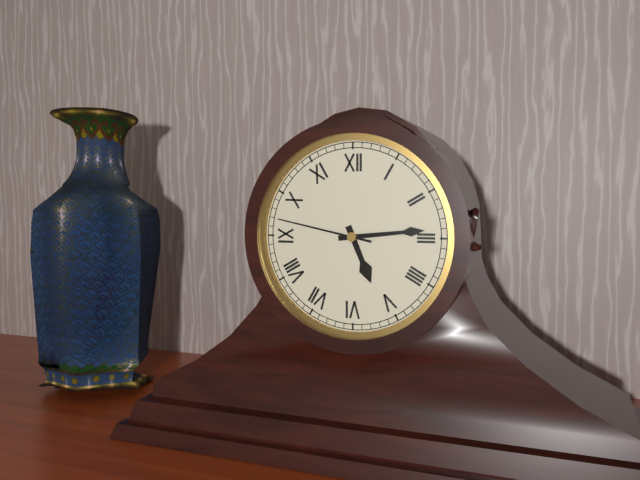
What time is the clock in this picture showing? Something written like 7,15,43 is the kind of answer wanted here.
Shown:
5,14,47
